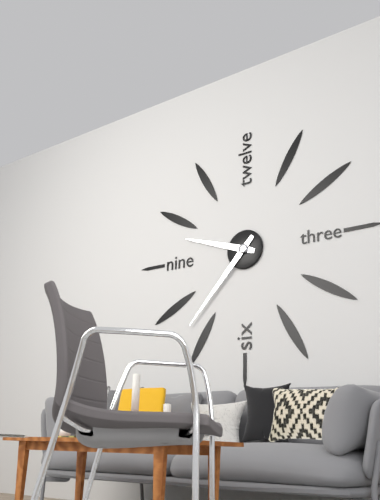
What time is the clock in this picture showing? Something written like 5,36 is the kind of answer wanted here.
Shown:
9,37
